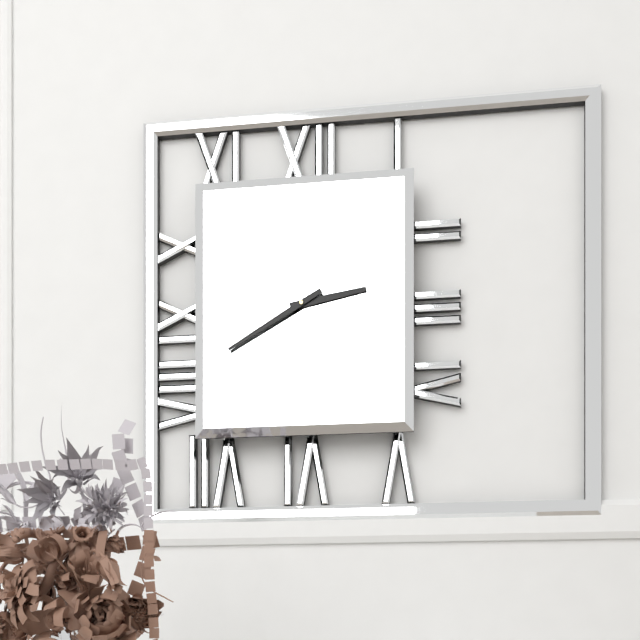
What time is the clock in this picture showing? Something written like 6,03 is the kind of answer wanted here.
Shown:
2,40
